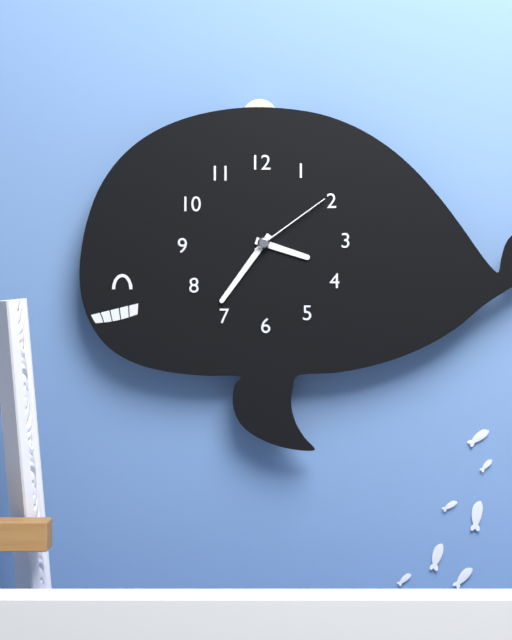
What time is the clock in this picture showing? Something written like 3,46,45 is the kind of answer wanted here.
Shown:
3,36,09
